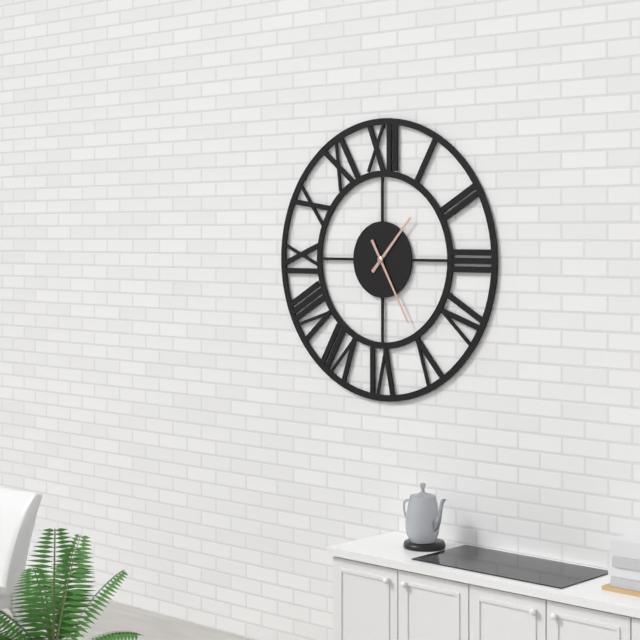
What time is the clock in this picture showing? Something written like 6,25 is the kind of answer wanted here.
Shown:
1,25
